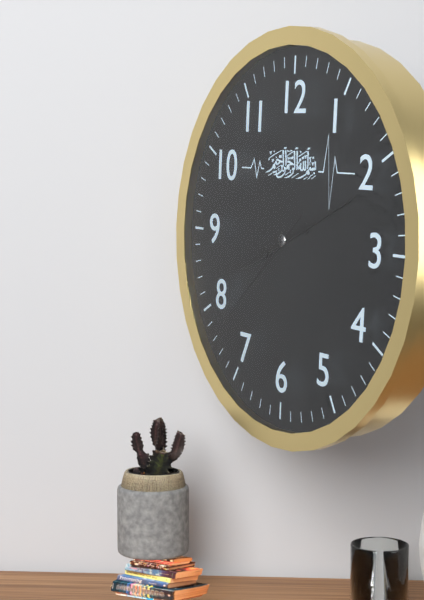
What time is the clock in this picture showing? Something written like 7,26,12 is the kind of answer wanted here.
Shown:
8,11,38
